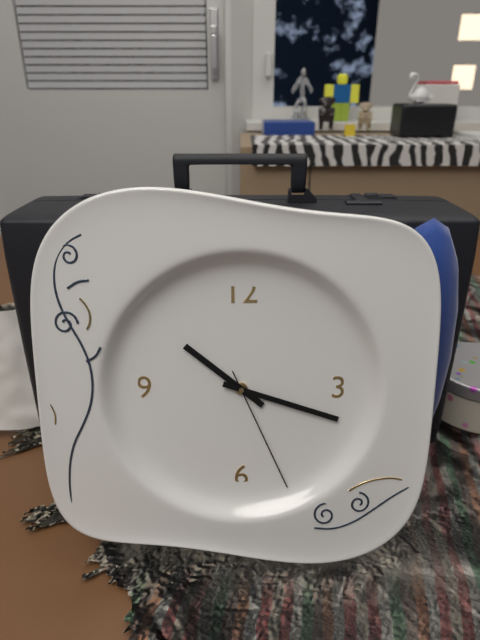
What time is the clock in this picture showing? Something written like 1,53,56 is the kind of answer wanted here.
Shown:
10,18,26
